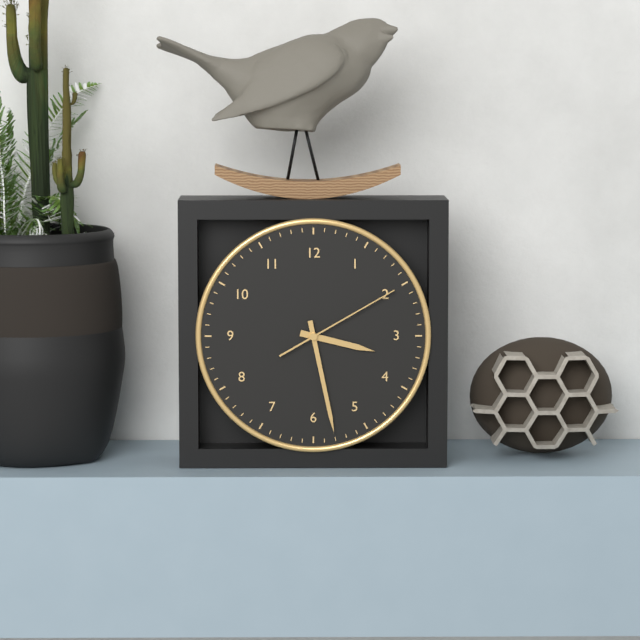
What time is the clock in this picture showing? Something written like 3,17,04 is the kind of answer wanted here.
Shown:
3,28,10
